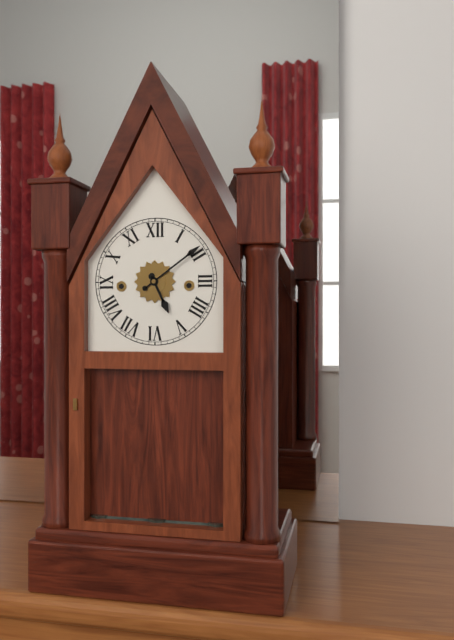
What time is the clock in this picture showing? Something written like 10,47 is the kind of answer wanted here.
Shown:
5,09
